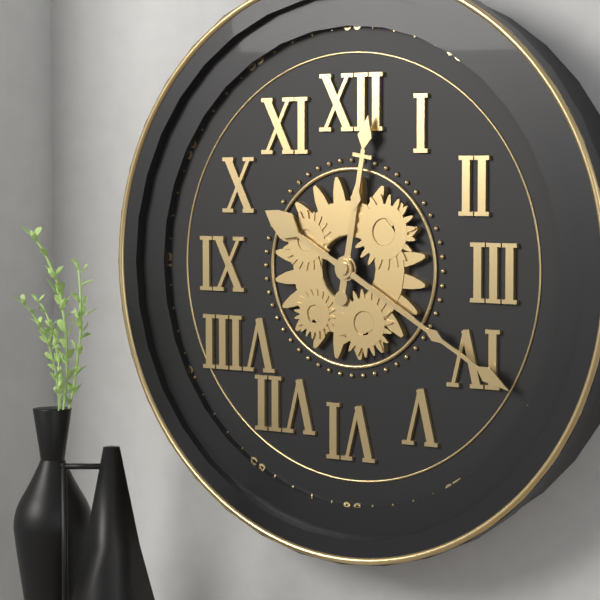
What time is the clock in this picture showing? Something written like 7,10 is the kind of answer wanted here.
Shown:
12,20
